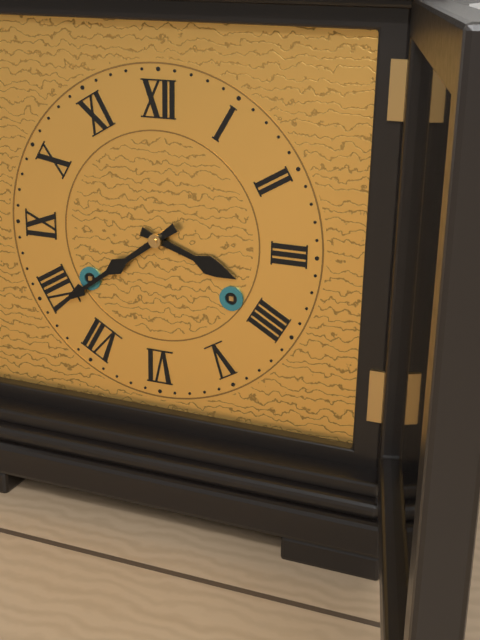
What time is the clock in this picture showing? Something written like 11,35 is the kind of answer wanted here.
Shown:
3,39
